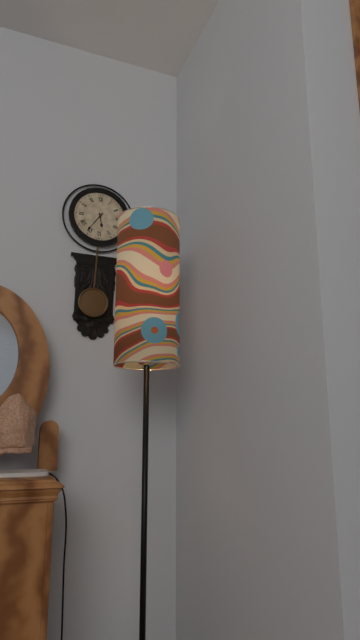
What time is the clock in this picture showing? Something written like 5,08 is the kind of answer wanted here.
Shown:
5,36
